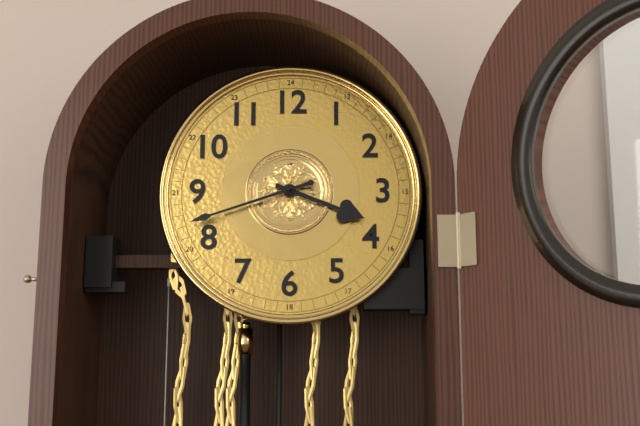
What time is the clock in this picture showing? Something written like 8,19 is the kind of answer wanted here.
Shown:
3,42
